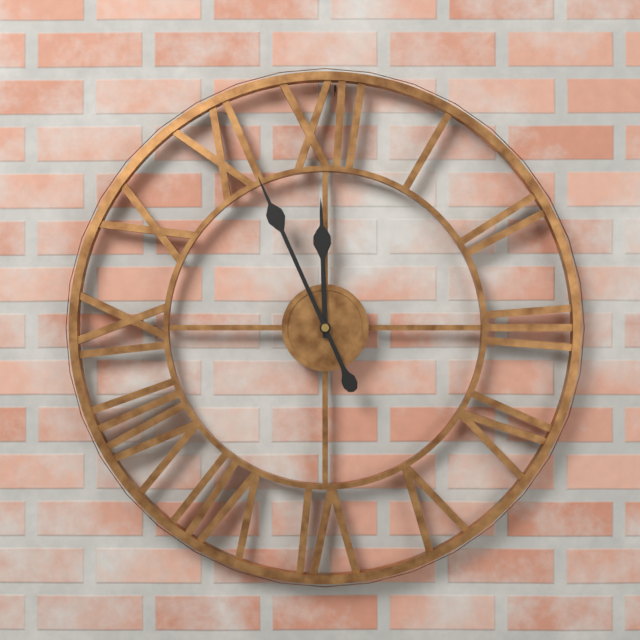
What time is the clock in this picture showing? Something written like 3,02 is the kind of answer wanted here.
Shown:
11,56
